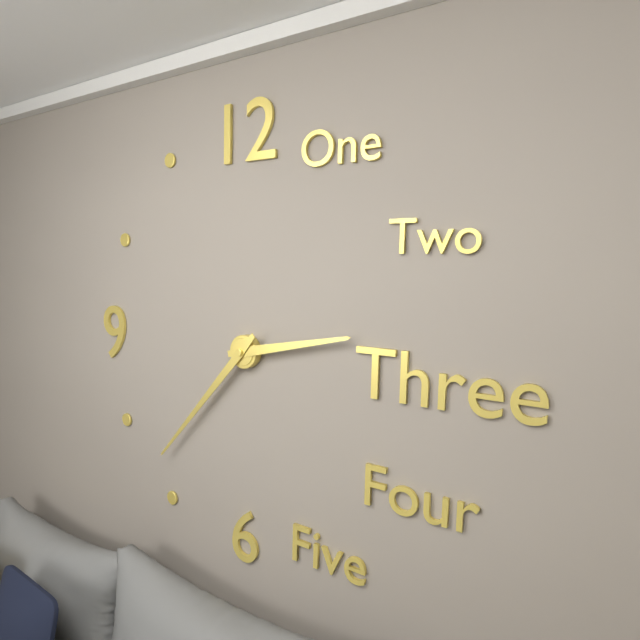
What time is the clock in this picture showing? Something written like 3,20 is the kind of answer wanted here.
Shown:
2,37
